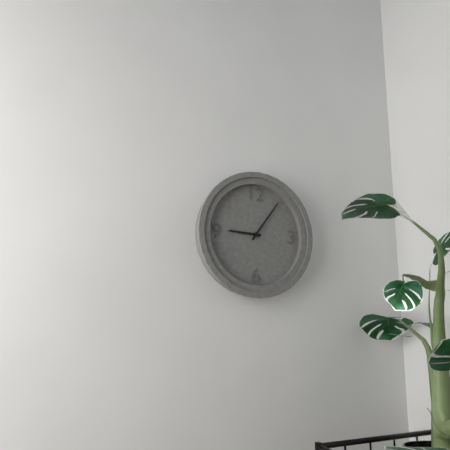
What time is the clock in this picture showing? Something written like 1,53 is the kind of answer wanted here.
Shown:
9,06
